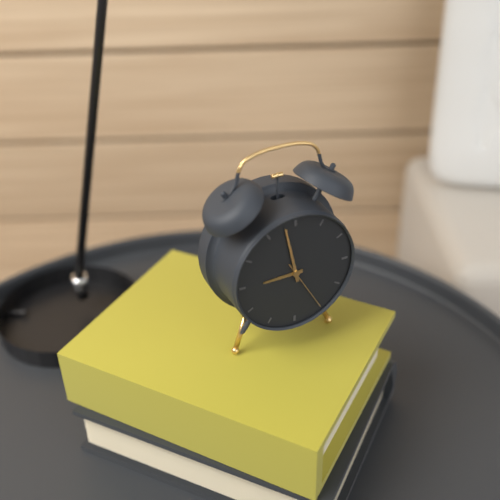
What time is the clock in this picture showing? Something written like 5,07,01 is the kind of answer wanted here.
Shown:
8,58,25
